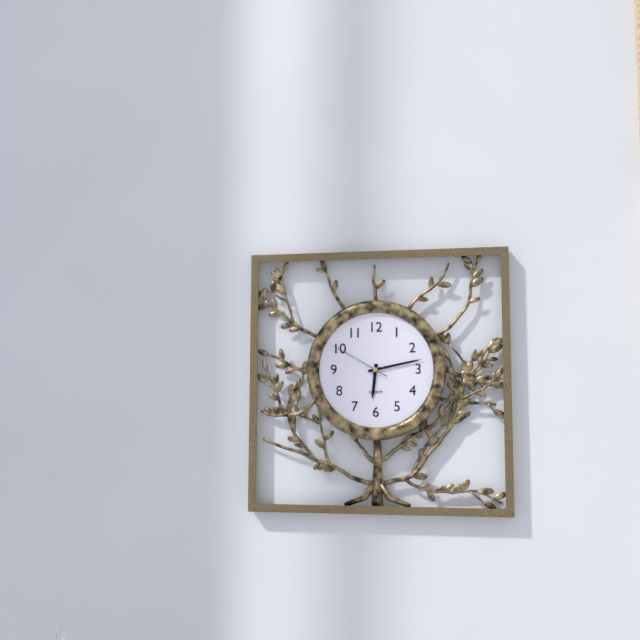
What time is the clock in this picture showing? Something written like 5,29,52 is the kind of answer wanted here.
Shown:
6,13,50
